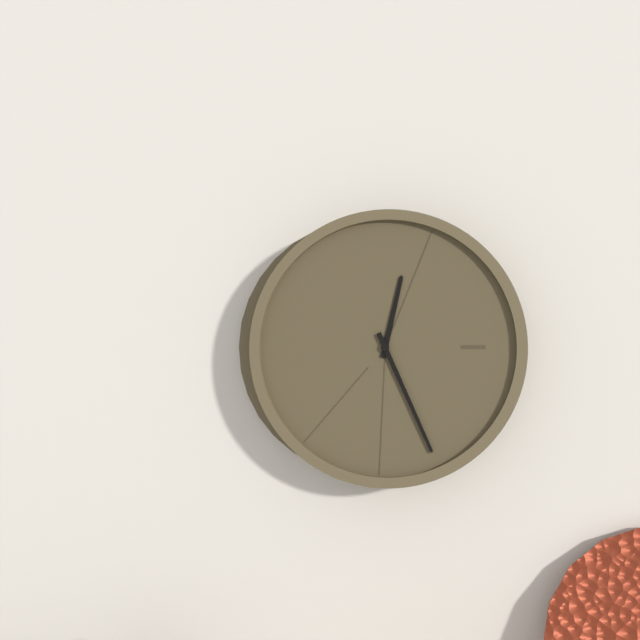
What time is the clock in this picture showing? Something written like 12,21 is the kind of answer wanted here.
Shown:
12,26
